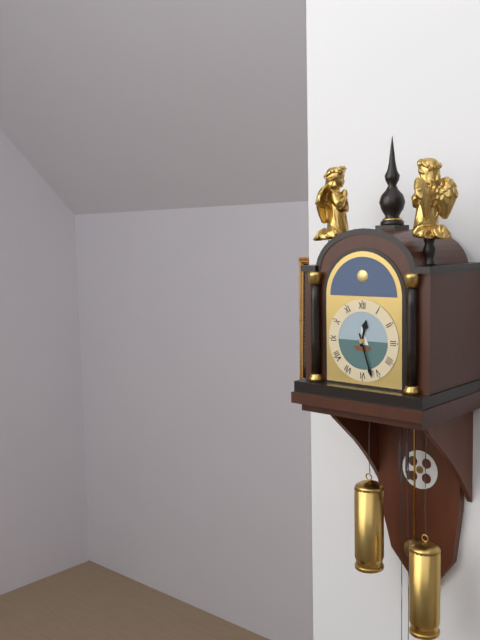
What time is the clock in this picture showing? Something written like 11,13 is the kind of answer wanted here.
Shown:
12,27
